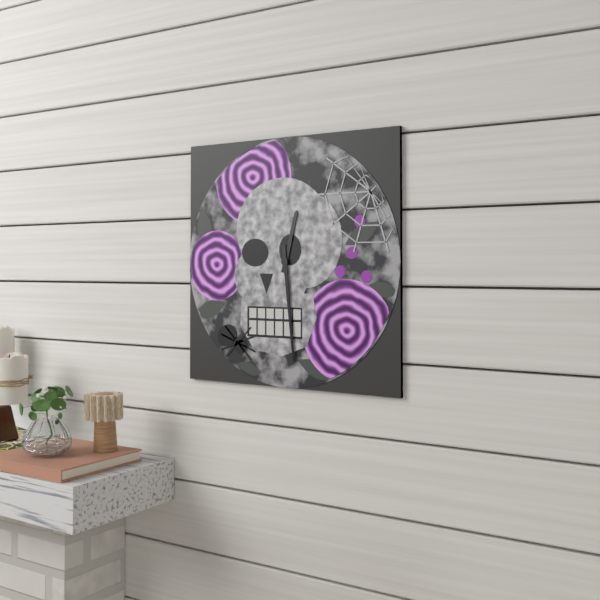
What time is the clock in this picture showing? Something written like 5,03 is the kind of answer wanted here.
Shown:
12,29
